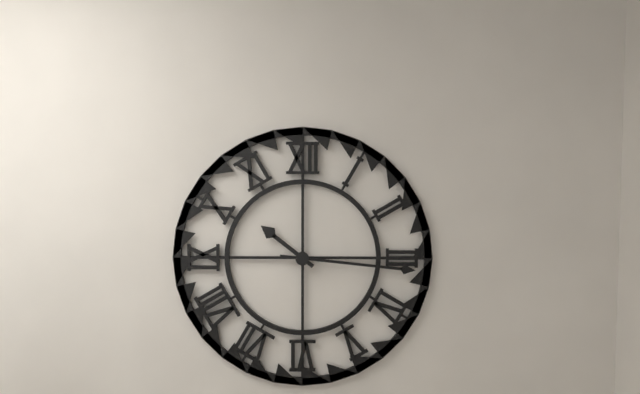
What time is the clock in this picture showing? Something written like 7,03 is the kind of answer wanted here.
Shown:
10,16
